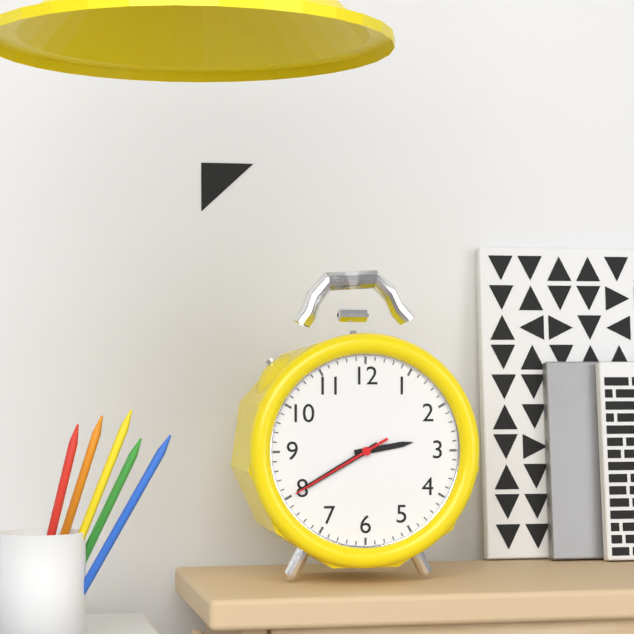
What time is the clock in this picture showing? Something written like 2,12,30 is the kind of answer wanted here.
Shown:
2,40,40
